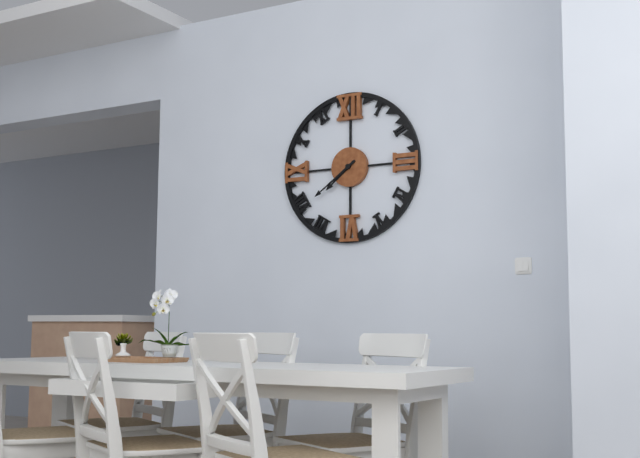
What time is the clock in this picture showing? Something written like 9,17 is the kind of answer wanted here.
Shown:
7,39
